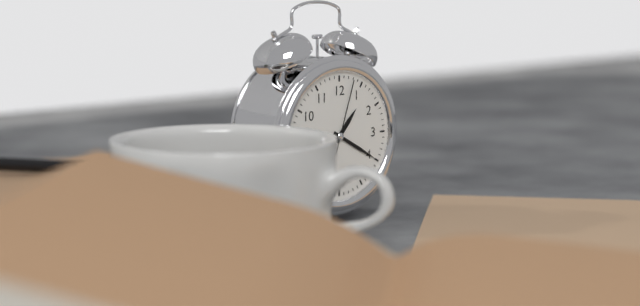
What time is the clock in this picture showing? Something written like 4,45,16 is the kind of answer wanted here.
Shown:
1,20,03
